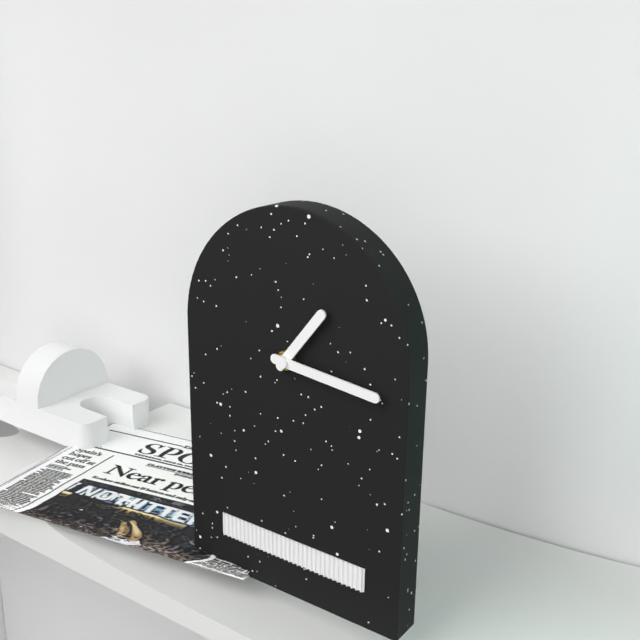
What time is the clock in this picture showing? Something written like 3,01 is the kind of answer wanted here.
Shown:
1,16
